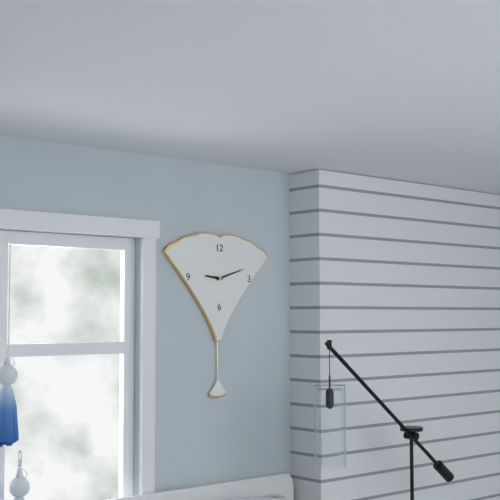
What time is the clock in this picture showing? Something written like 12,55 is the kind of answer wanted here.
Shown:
9,12
